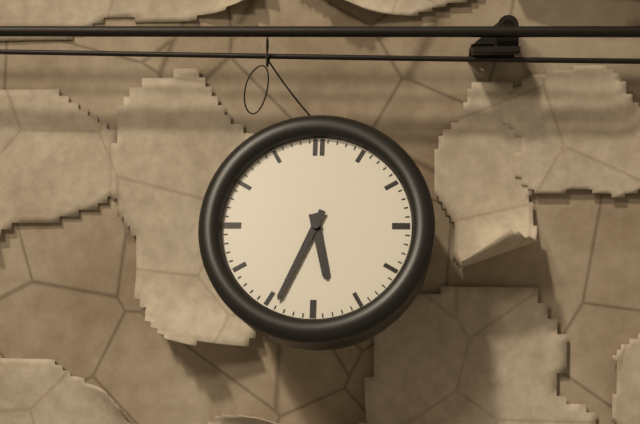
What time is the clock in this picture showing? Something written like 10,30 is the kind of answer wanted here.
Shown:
5,34
